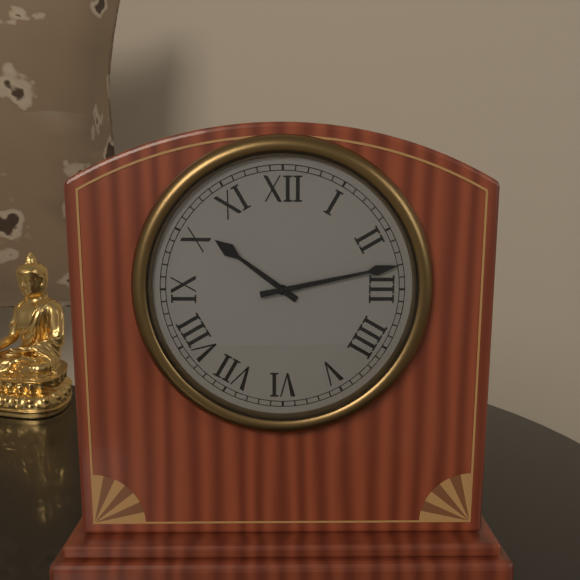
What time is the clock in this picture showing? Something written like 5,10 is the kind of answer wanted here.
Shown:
10,13
